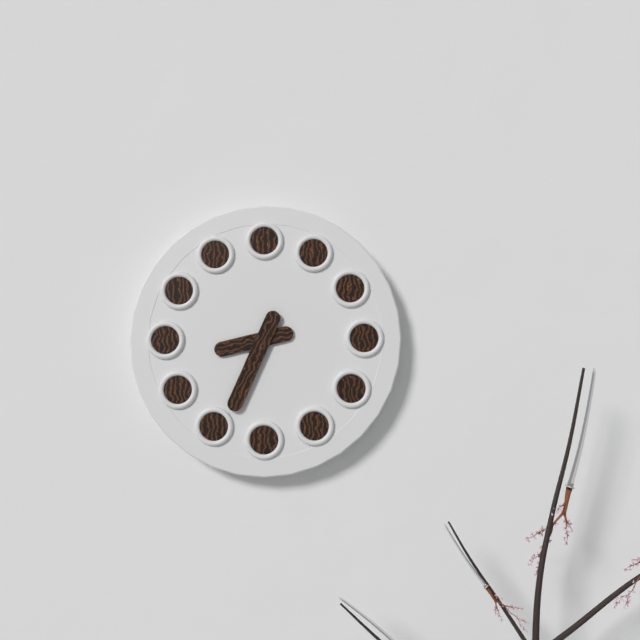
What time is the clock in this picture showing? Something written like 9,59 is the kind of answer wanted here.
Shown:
8,34
